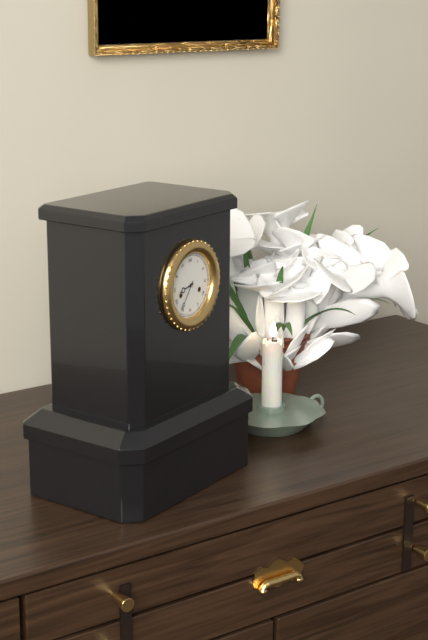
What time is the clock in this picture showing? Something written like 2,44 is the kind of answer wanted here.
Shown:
8,36
